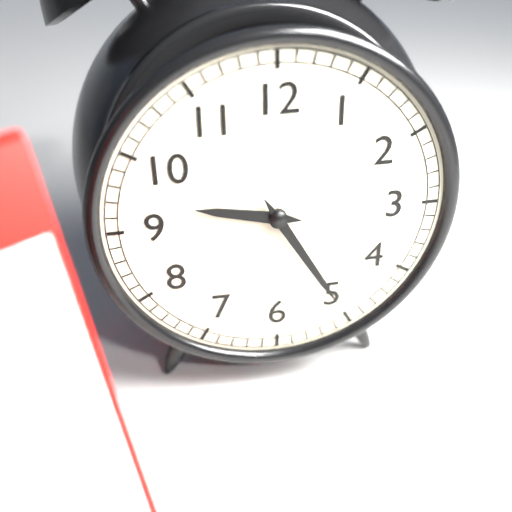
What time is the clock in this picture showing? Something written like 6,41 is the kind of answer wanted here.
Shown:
9,25
